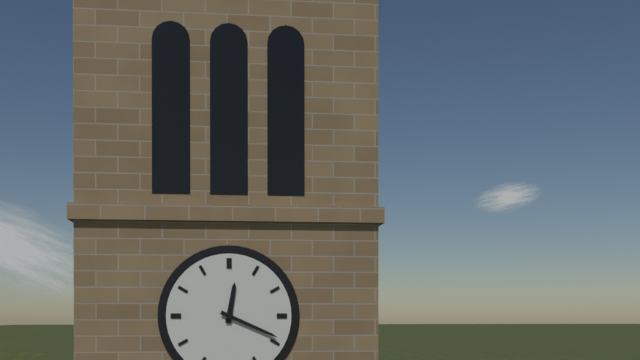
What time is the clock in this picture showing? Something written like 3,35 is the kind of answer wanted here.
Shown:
12,19
